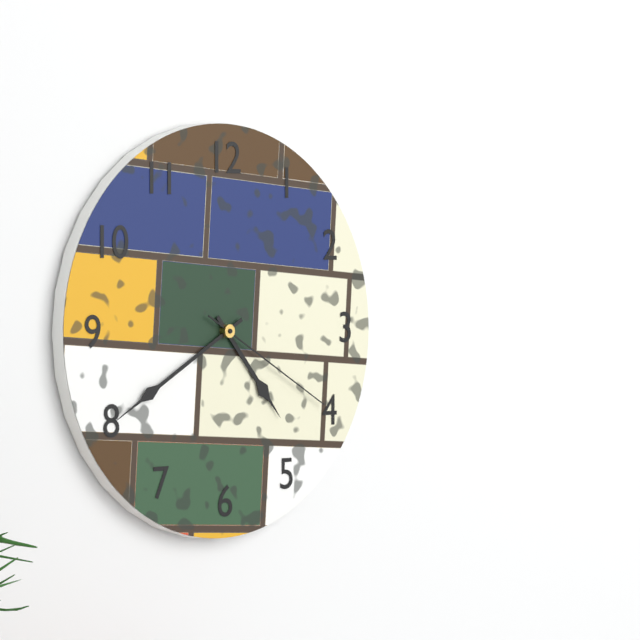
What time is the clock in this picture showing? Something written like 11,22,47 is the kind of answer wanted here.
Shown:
4,40,20
